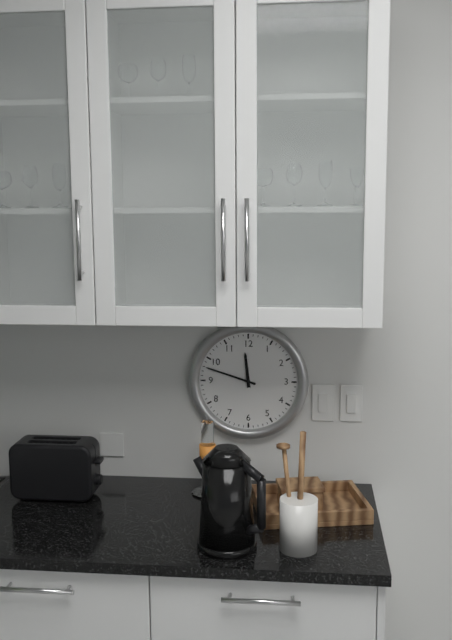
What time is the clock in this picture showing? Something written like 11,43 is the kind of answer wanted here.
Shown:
11,48
